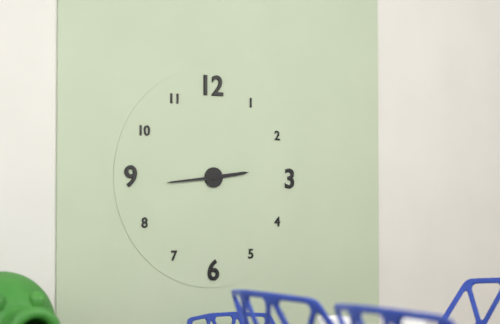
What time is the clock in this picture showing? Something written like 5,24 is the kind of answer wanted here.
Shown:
2,44
